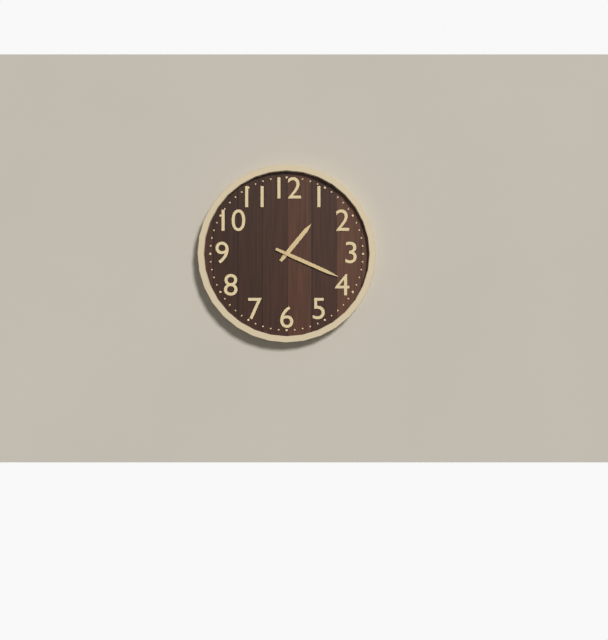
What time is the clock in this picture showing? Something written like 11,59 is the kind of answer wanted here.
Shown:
1,19
